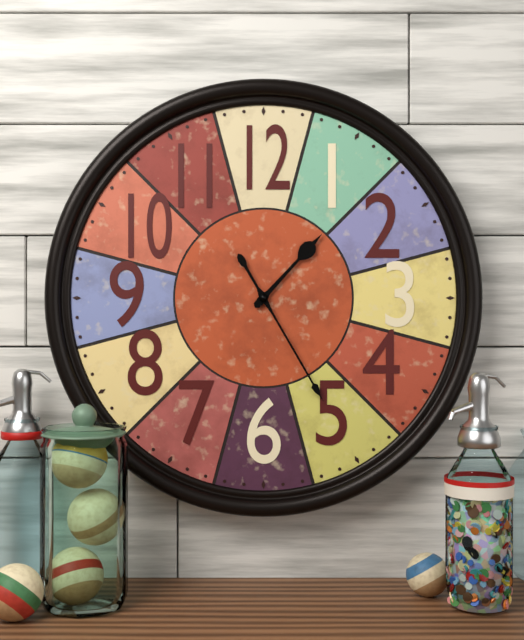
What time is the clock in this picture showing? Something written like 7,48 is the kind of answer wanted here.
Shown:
1,25
